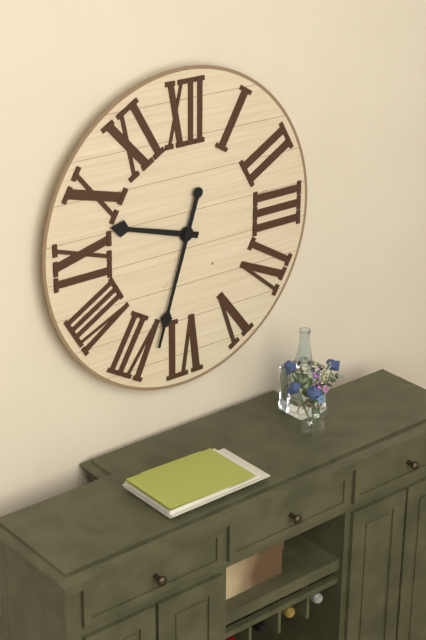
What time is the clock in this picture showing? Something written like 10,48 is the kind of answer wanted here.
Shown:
9,33
